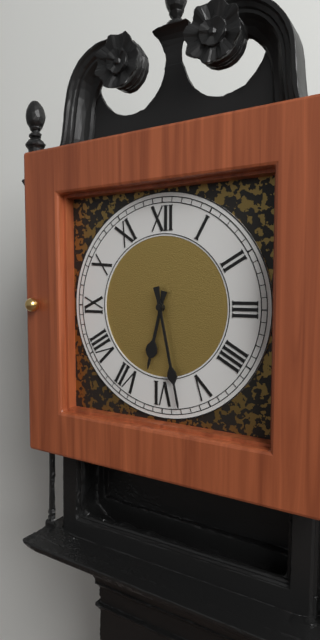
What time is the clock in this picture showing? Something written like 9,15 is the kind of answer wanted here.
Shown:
6,28
